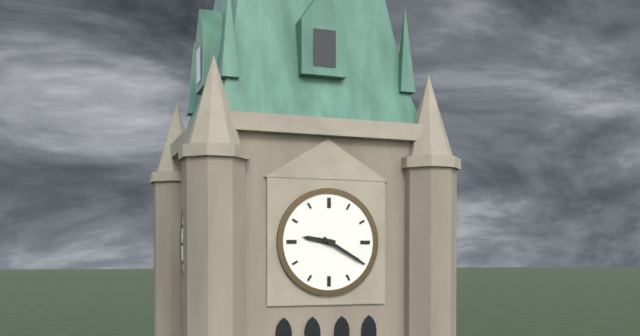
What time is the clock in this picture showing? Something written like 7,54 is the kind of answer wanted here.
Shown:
9,20
